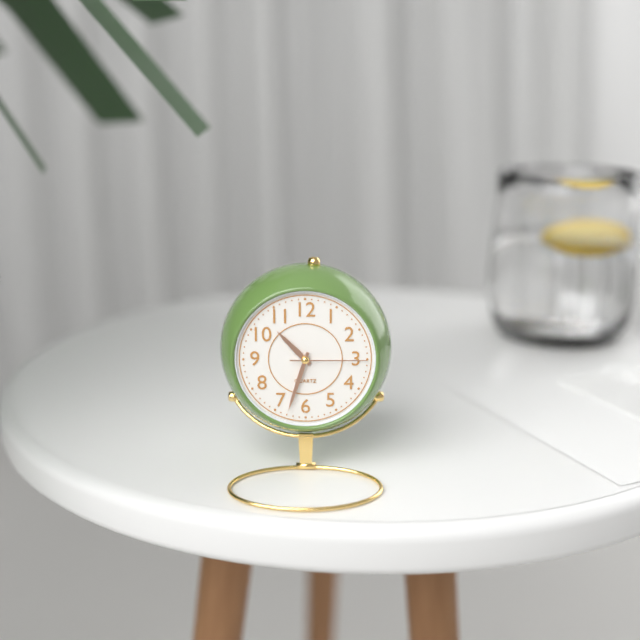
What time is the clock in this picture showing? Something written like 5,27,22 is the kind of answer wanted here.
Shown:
10,33,15
